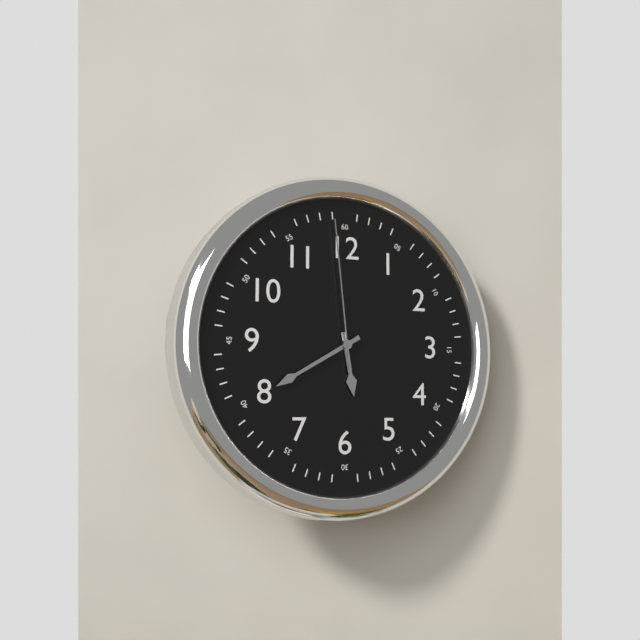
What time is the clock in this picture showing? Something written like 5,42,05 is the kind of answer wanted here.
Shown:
5,40,59
